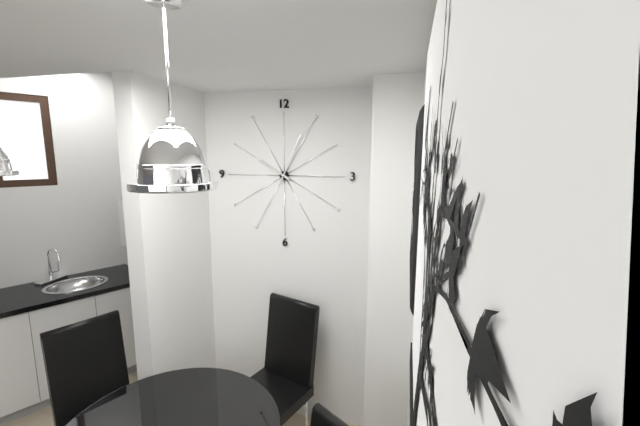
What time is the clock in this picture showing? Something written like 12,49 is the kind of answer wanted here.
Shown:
10,04
